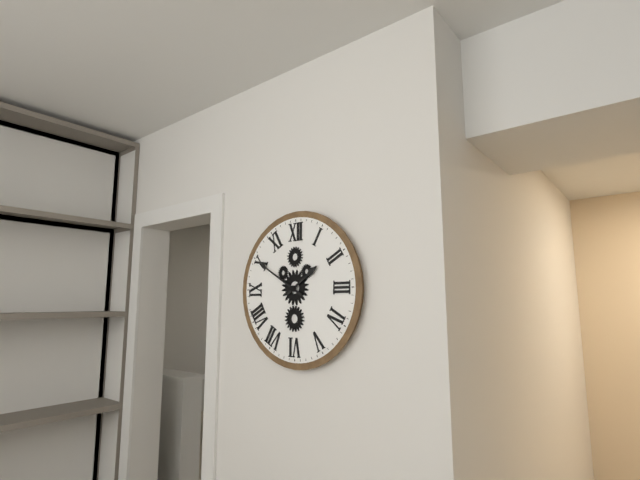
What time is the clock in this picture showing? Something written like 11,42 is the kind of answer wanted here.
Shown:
1,50
